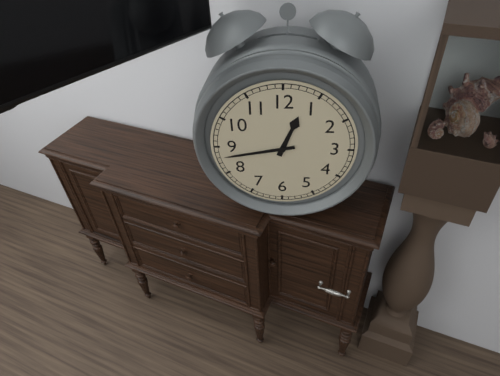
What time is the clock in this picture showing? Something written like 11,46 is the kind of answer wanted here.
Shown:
12,43
